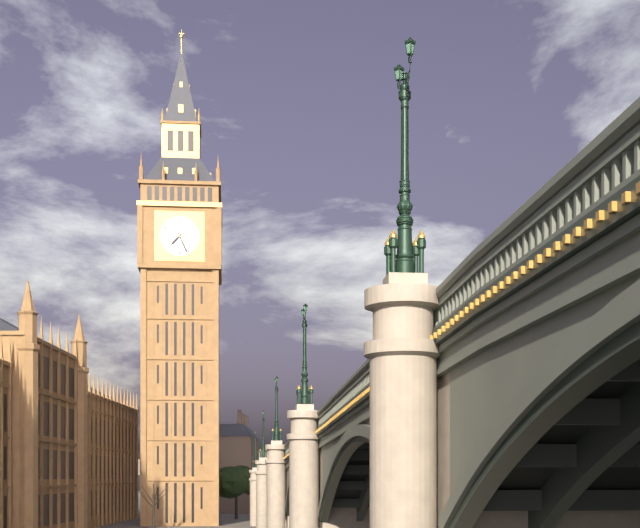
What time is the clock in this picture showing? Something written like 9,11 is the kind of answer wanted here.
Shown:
7,26
